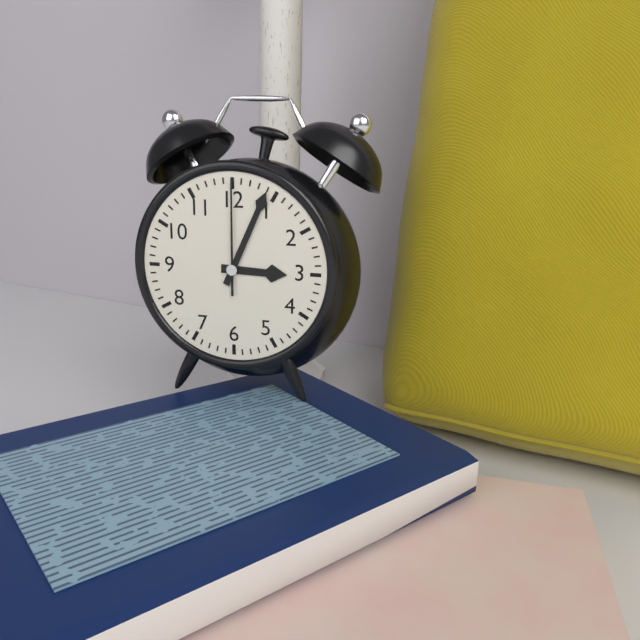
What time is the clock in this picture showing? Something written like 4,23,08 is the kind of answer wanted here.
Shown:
3,04,00
